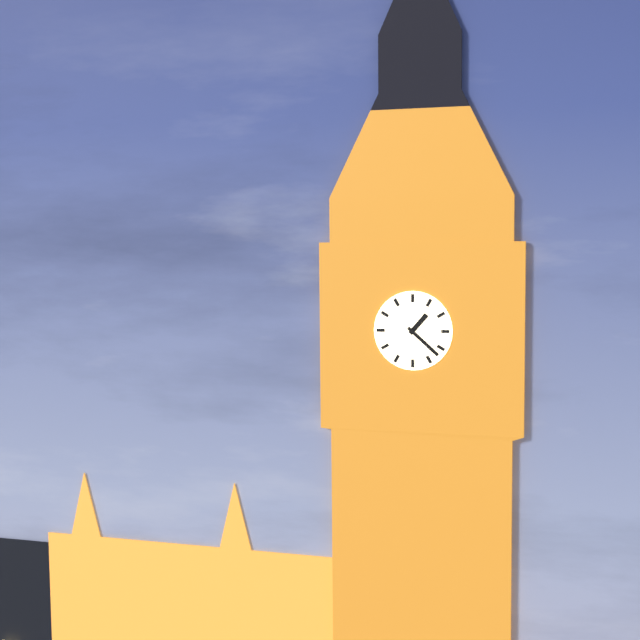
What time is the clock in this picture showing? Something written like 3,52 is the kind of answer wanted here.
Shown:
1,22
